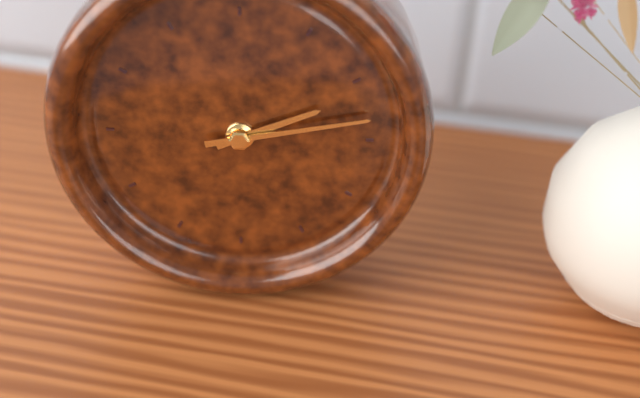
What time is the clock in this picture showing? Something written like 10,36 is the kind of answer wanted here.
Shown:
2,13
